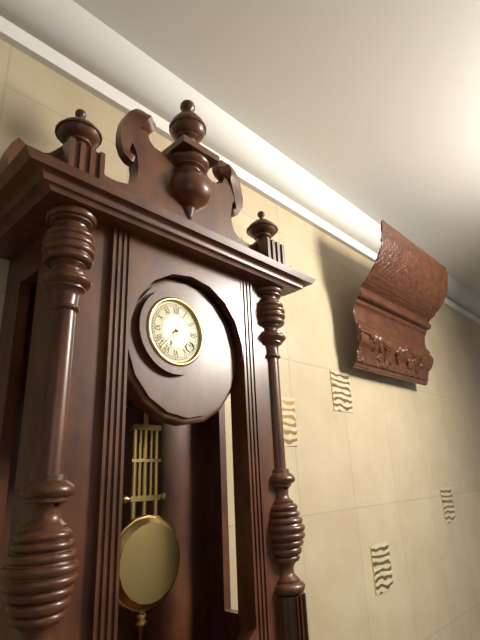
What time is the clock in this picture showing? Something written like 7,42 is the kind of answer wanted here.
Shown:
6,37
